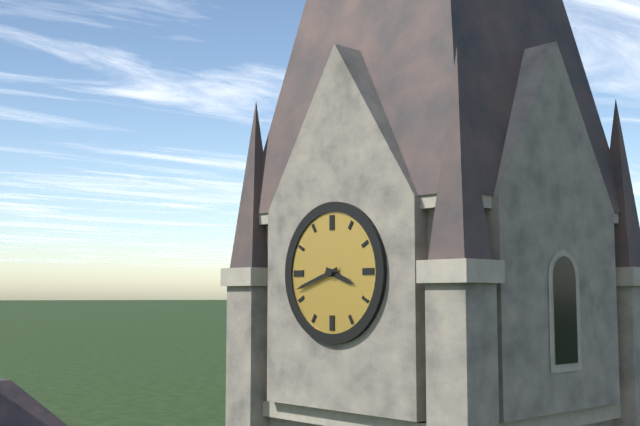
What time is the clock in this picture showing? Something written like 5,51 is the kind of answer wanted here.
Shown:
3,42
